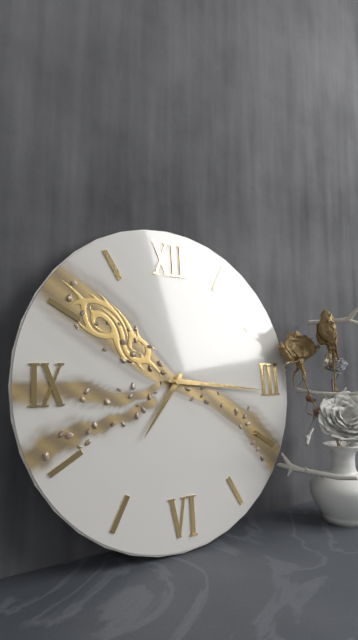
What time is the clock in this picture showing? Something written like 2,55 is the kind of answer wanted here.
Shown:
7,16
